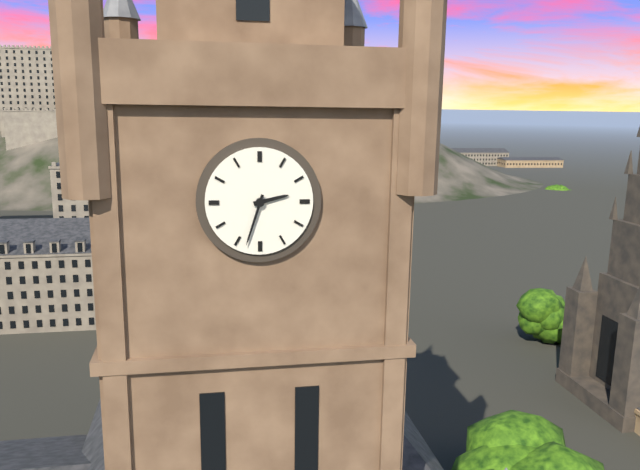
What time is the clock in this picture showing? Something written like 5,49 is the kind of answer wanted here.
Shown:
2,33
